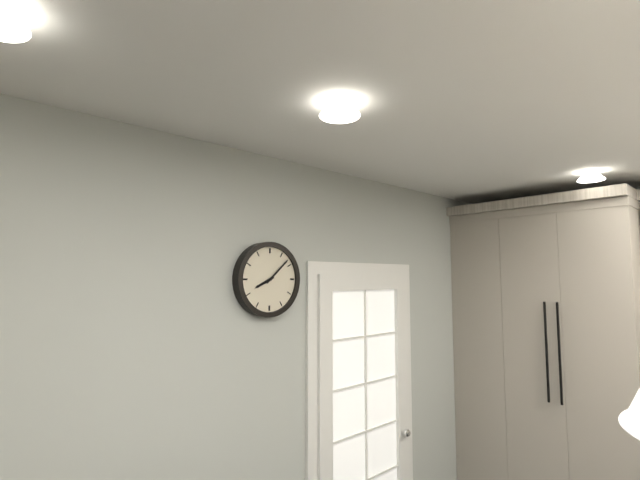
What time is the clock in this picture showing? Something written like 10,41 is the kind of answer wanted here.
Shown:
8,08
